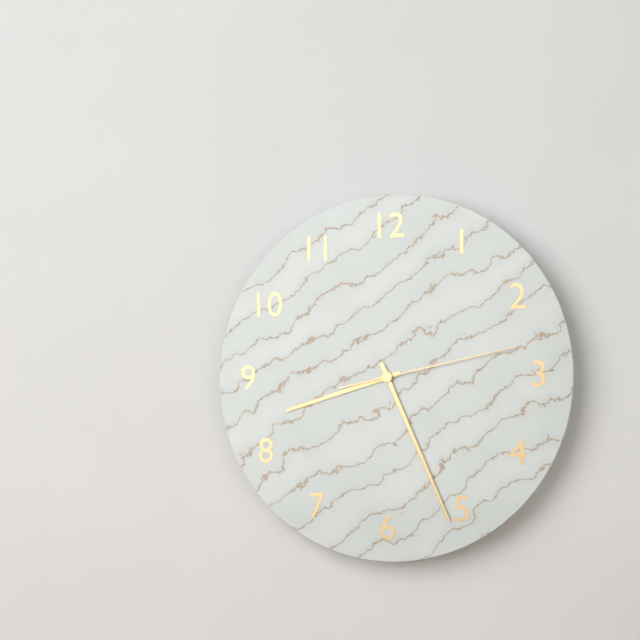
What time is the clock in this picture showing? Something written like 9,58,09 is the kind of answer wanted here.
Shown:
8,26,13
